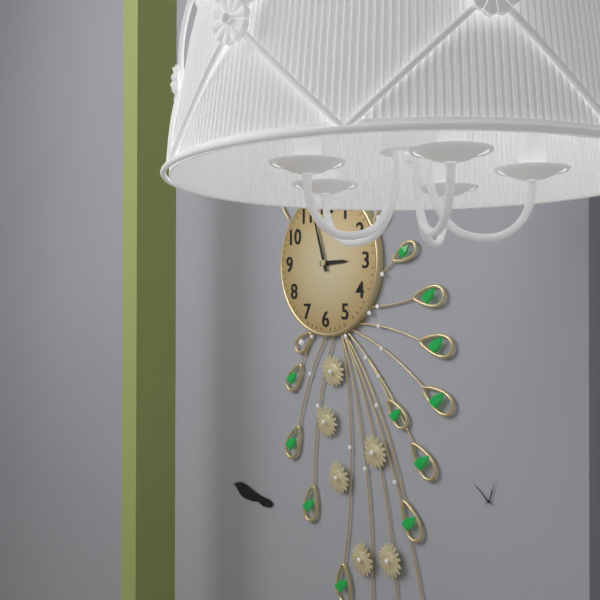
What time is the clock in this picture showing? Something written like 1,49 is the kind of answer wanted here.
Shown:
2,57
